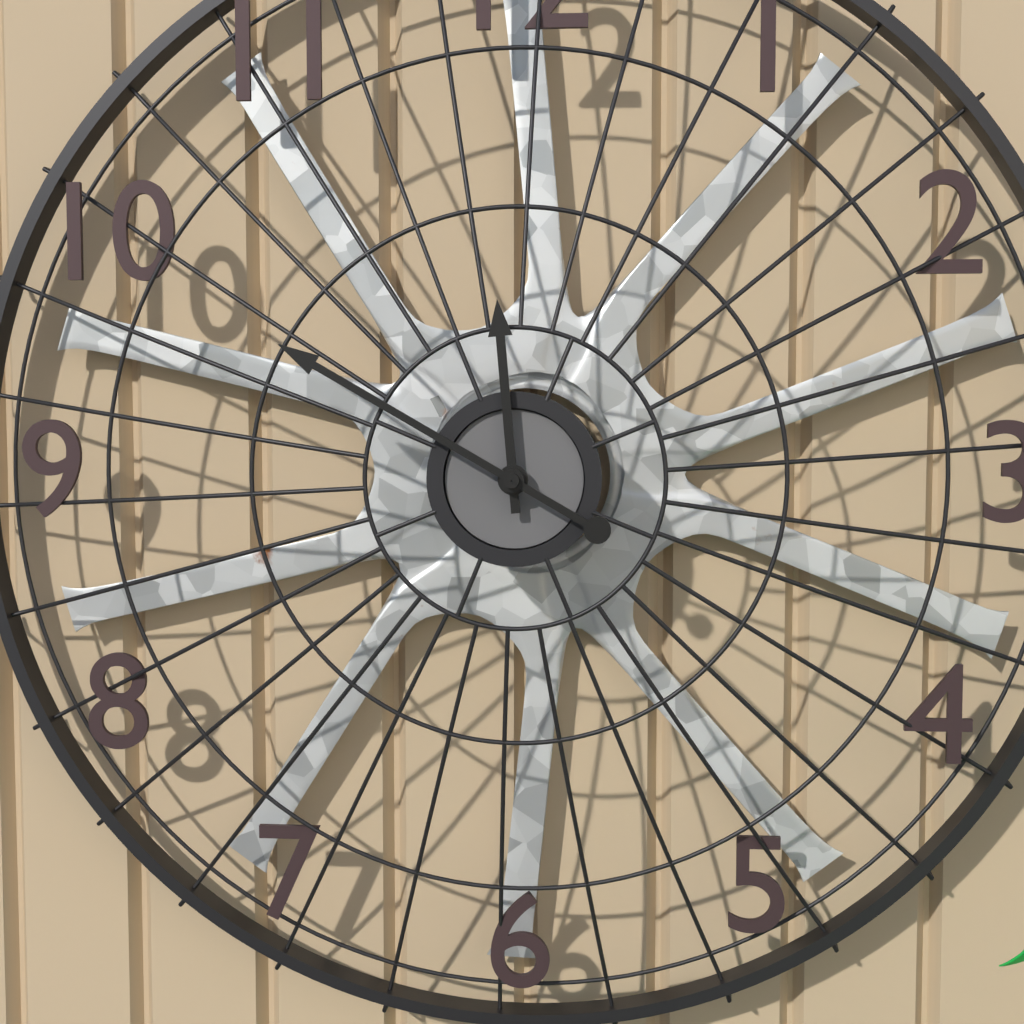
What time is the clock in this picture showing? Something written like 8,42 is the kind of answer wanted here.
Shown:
11,50
